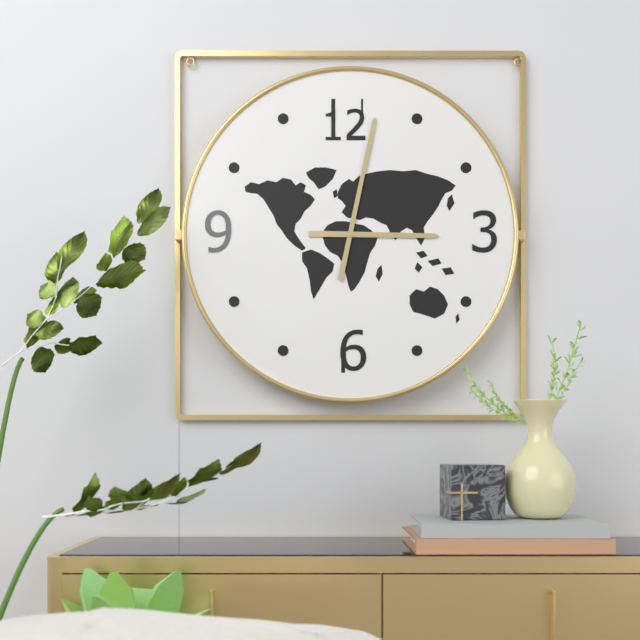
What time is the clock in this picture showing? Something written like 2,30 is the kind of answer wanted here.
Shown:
3,02
